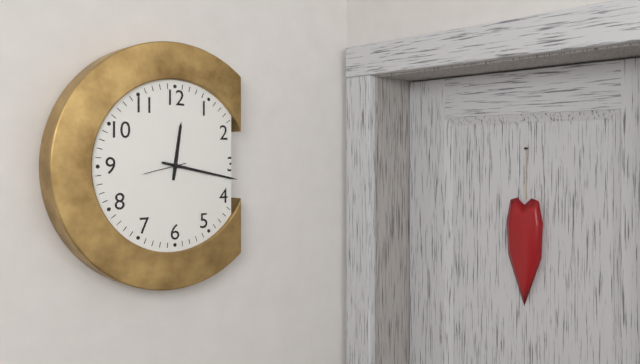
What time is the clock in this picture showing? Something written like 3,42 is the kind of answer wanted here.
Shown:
12,17
